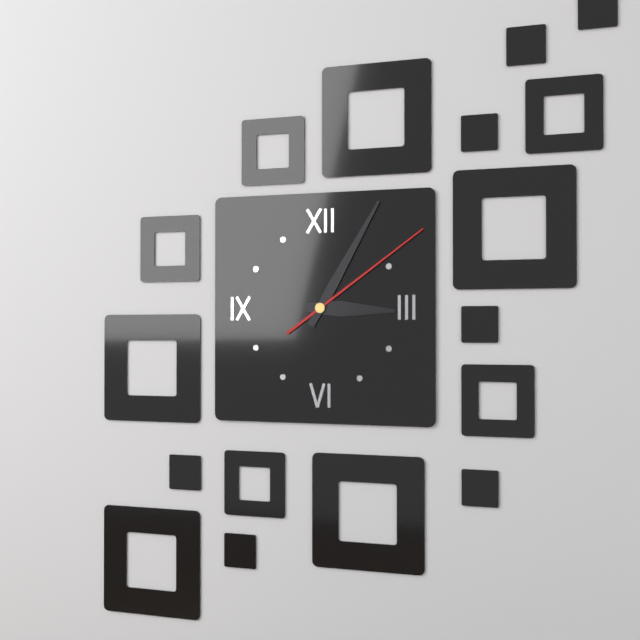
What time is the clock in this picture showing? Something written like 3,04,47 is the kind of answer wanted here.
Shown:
3,05,09
